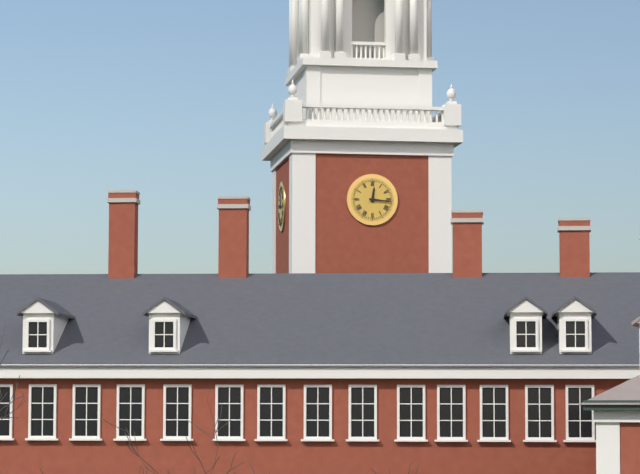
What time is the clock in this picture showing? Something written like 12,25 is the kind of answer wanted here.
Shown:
12,16
